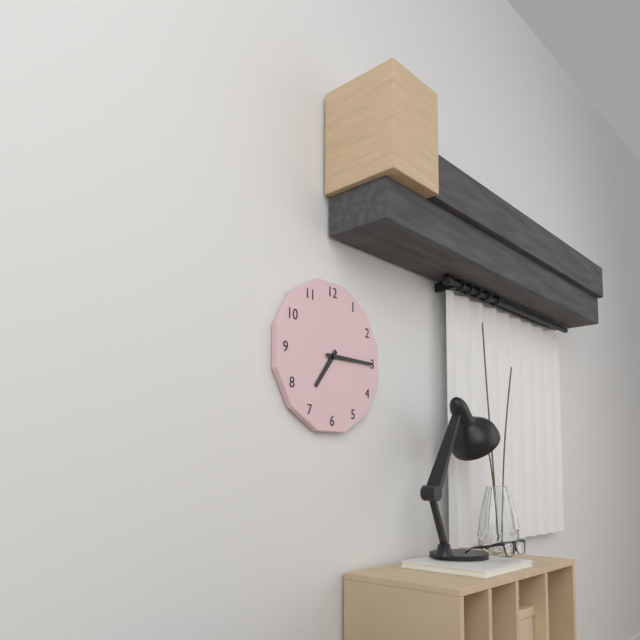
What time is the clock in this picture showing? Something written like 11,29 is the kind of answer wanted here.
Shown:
7,15
